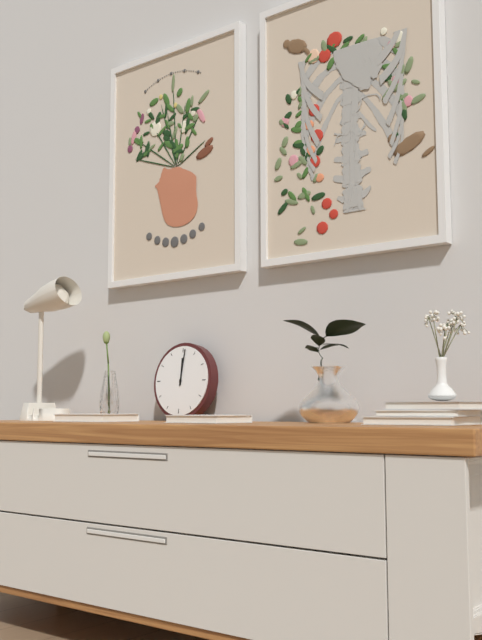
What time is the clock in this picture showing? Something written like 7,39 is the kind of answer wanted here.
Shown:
12,01
